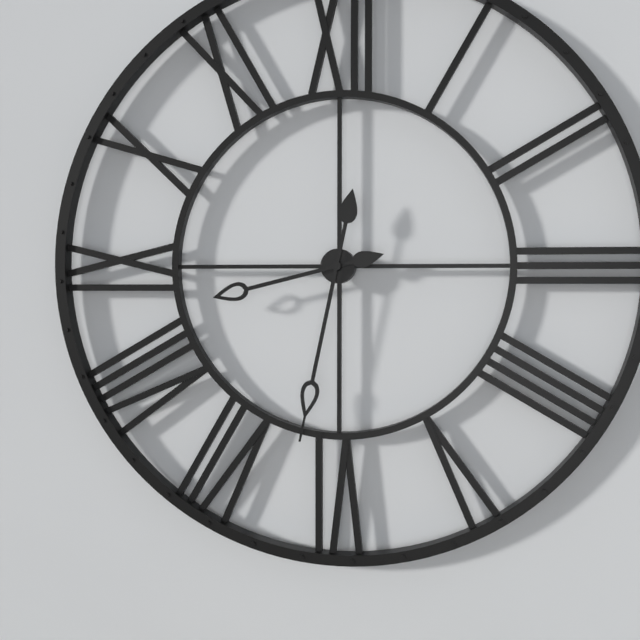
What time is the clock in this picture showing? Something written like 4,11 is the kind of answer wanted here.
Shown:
8,32
